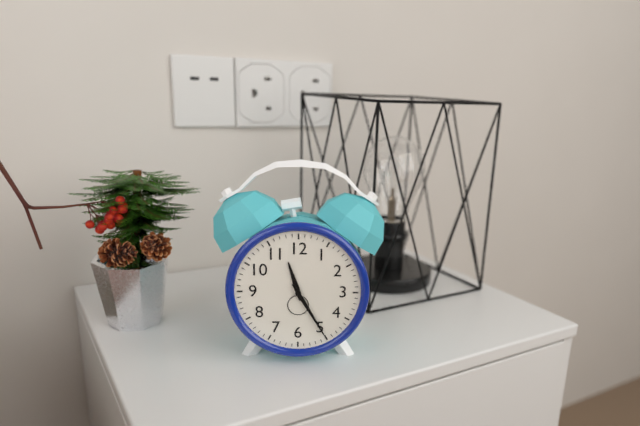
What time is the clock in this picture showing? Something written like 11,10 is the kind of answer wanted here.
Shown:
11,25
